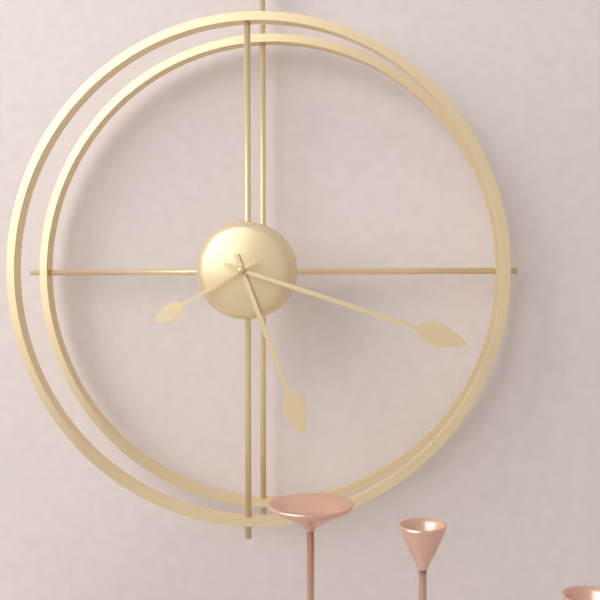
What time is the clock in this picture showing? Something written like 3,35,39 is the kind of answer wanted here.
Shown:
5,18,40
